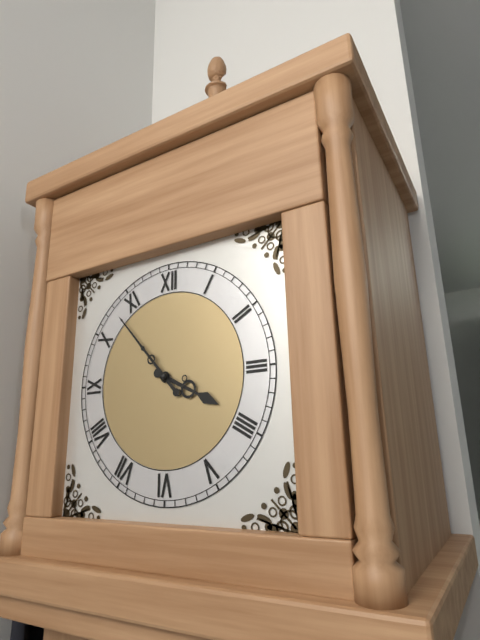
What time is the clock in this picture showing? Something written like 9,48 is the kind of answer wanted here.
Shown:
3,53
